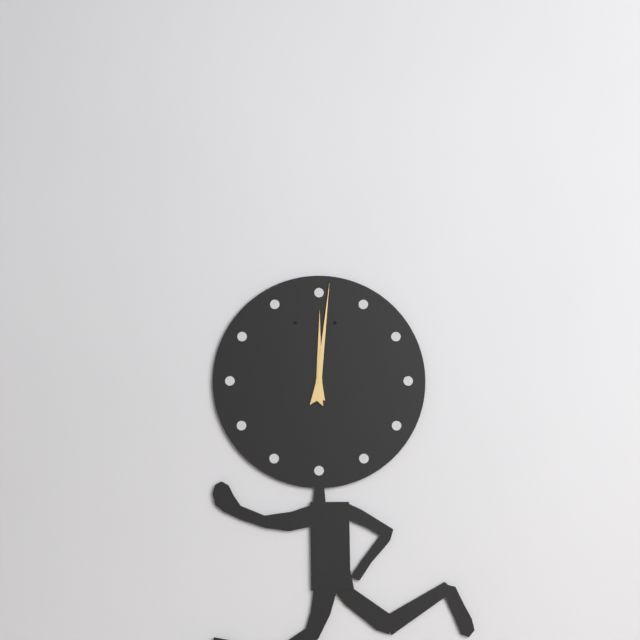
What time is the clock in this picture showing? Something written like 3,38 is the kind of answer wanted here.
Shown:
12,01
